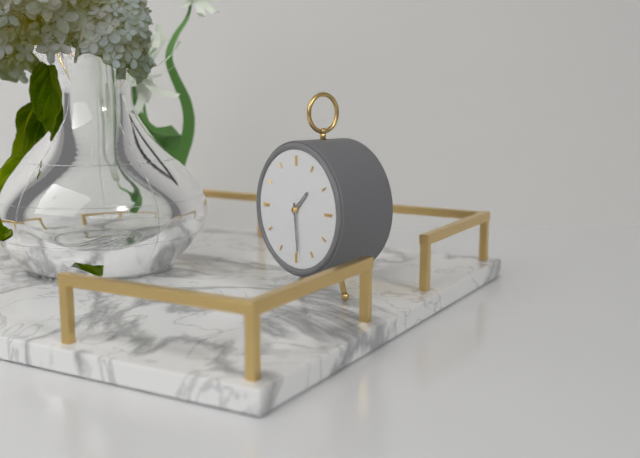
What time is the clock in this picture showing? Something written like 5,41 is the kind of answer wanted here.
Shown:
1,29
